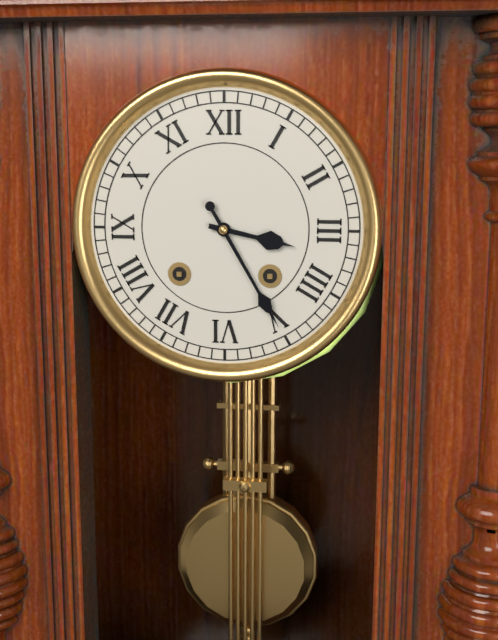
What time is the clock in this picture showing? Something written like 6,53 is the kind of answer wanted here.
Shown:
3,25
